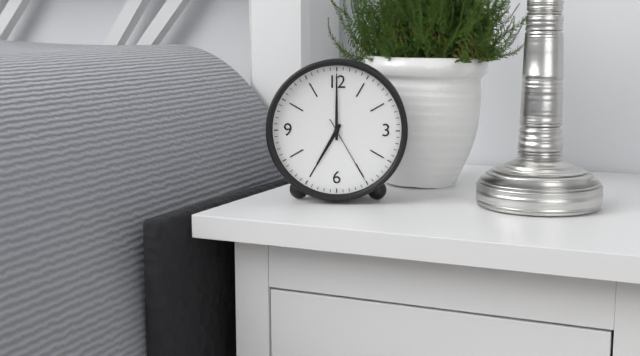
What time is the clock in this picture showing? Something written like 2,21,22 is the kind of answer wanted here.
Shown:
7,00,25
